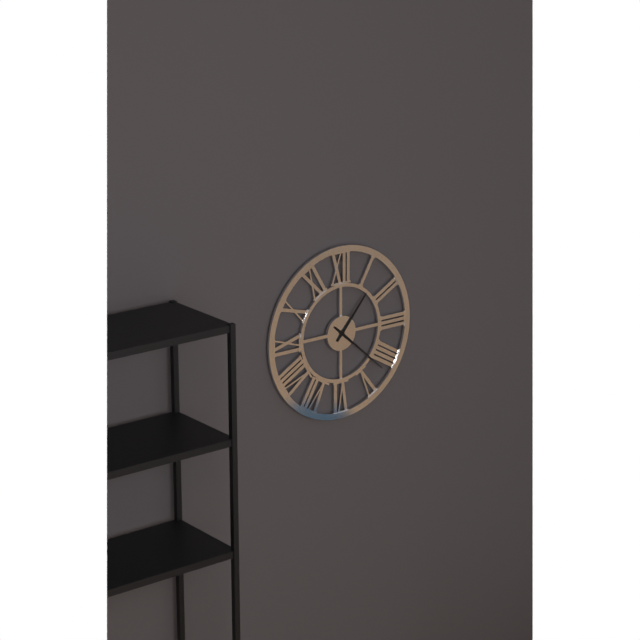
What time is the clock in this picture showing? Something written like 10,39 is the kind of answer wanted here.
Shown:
1,22
